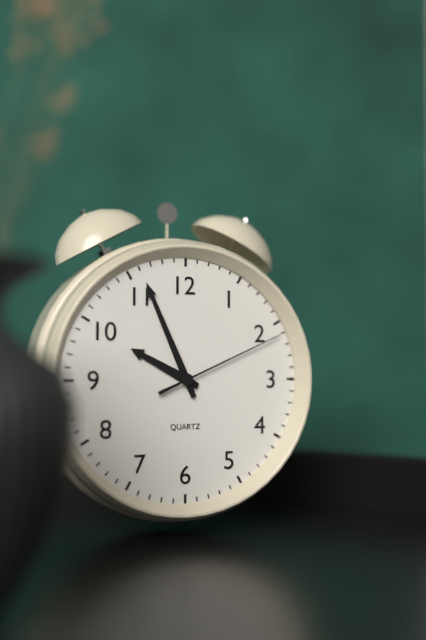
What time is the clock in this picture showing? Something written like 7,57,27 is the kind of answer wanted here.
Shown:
9,56,11
